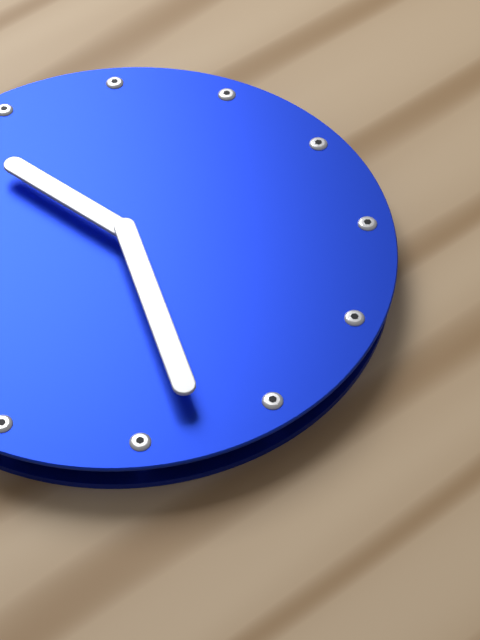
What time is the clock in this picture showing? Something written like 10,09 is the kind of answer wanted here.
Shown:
10,28
